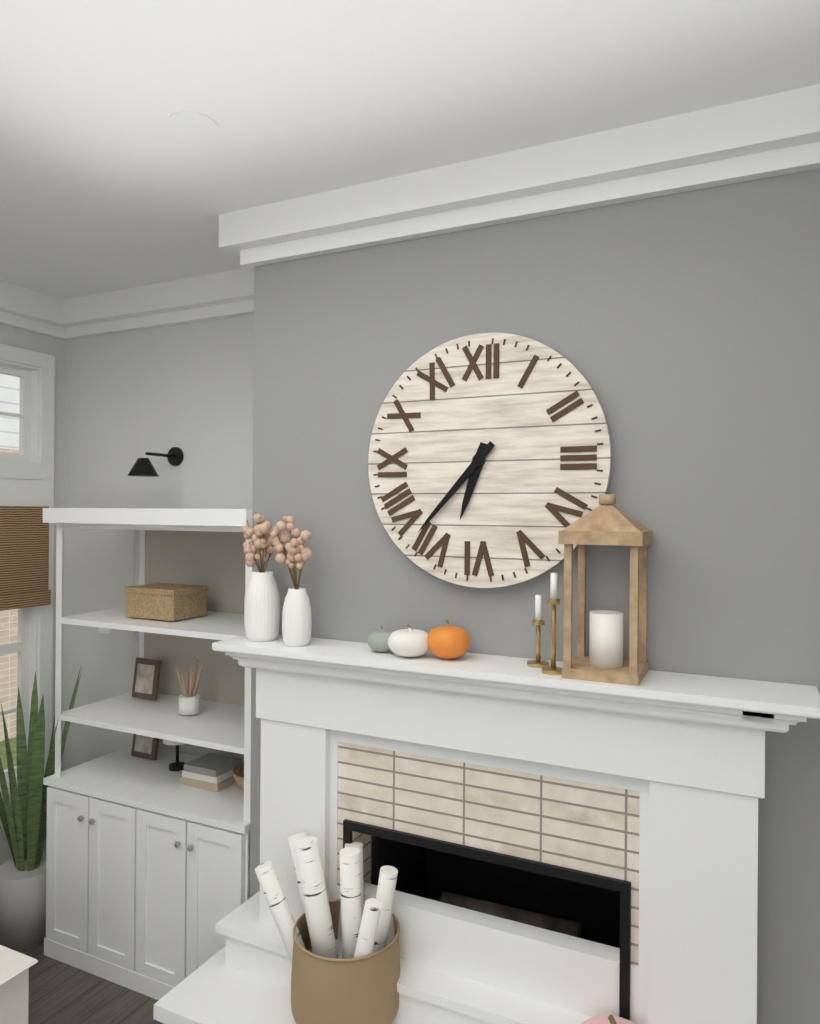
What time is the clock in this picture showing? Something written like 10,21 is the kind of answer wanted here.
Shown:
6,37
